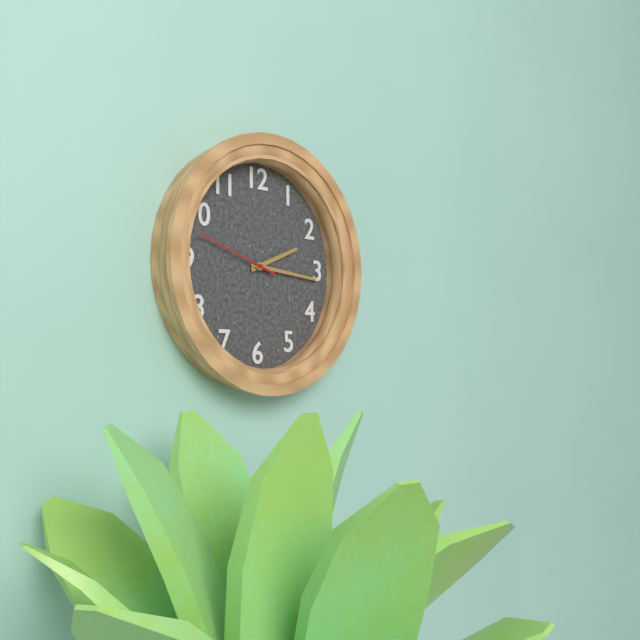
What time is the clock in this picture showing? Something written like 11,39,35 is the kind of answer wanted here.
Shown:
2,16,48
